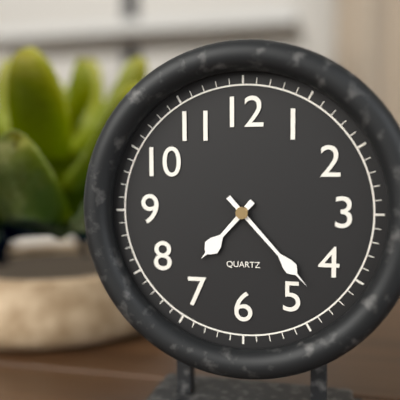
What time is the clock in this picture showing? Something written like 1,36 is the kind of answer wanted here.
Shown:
7,23
